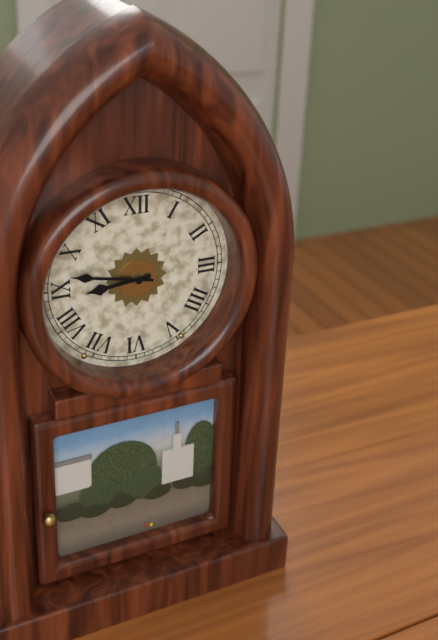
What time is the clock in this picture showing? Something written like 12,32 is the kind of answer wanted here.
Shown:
8,47
